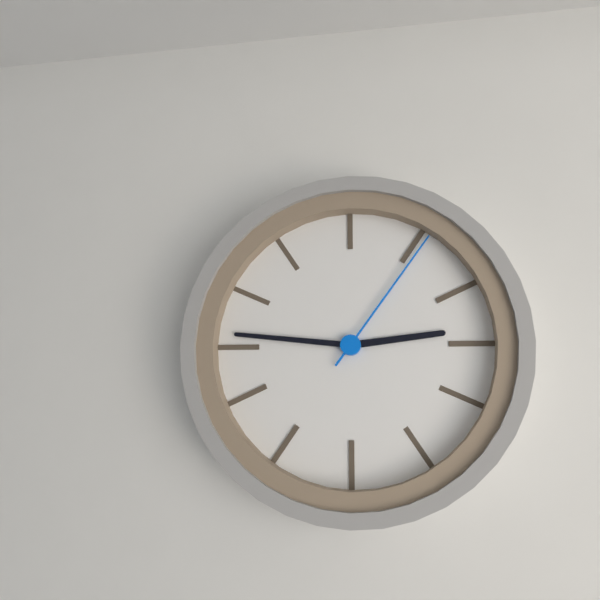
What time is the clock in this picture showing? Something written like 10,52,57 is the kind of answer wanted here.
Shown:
2,46,06
